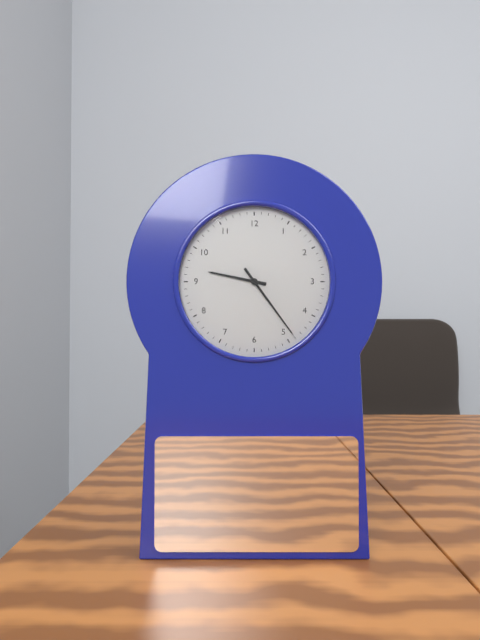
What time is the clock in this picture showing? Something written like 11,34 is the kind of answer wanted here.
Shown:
9,24
